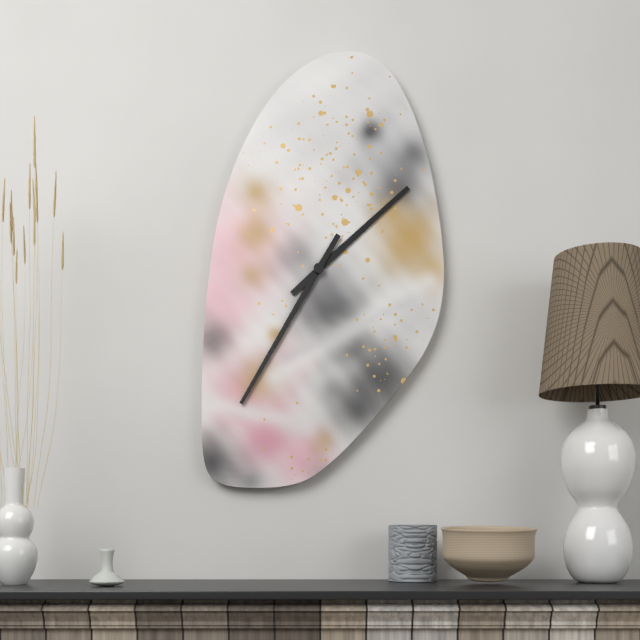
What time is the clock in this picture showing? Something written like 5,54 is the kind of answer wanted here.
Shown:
1,35
